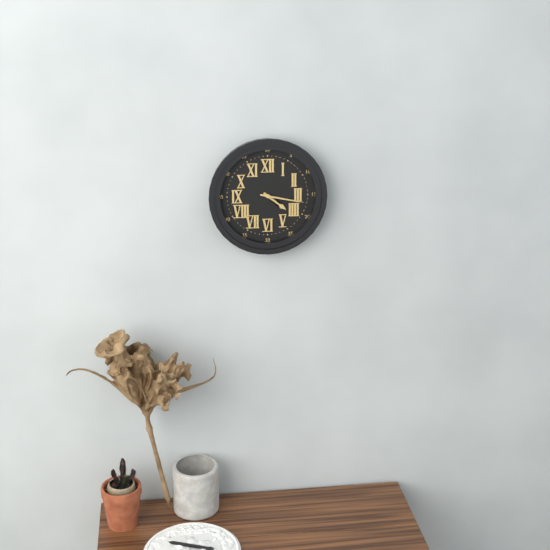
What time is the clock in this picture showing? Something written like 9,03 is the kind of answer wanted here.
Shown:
4,17
